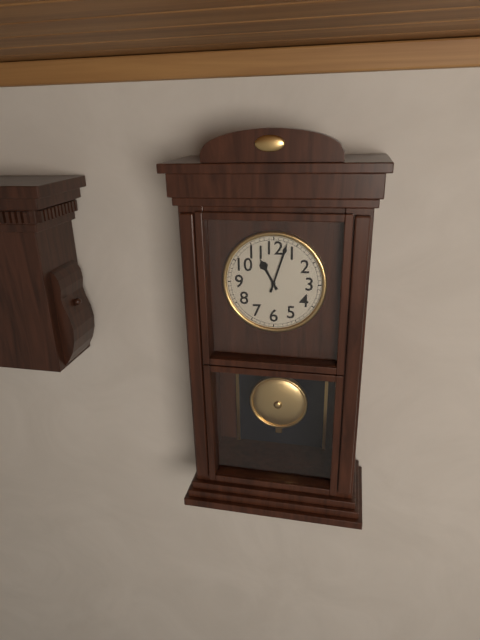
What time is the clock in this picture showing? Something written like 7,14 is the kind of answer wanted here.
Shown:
11,03
